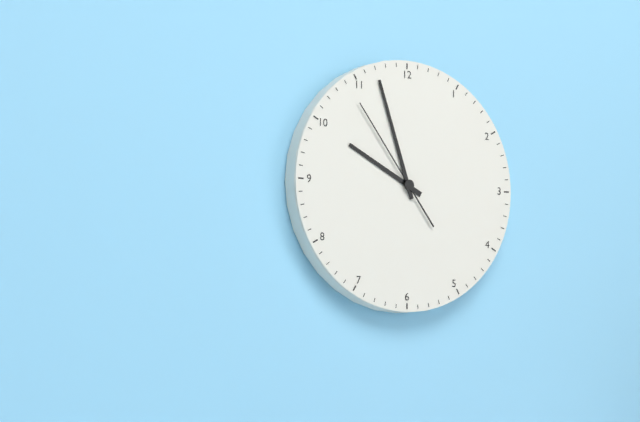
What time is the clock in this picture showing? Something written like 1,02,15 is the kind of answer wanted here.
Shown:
9,57,54
